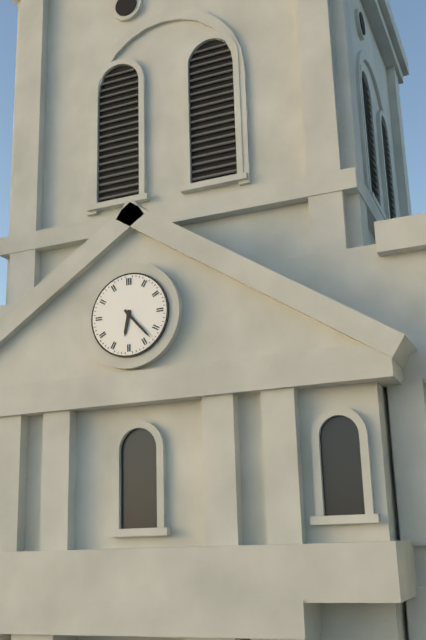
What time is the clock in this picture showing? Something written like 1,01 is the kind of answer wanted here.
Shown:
6,23
